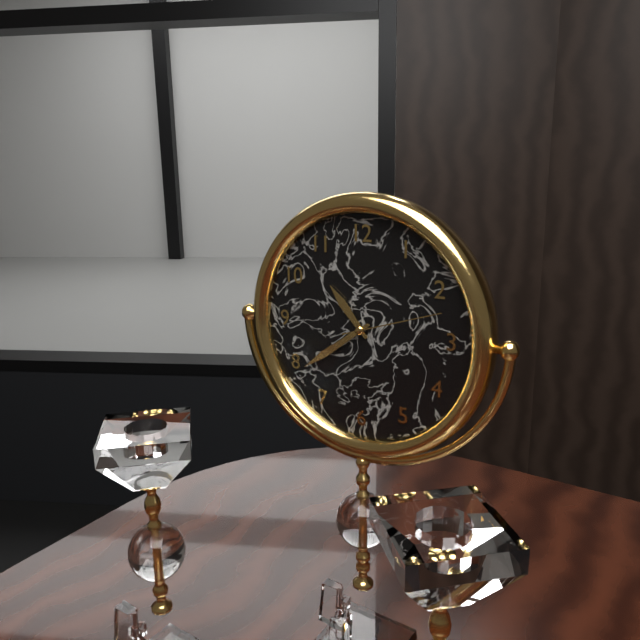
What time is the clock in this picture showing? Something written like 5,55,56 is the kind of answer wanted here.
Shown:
10,39,12
